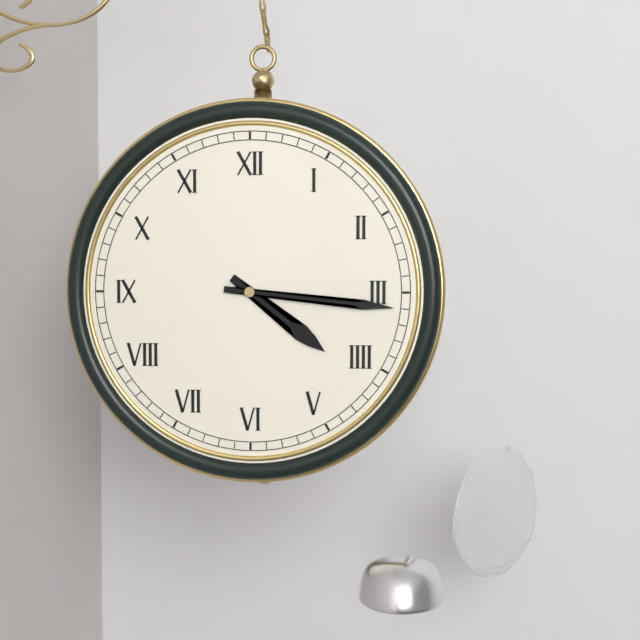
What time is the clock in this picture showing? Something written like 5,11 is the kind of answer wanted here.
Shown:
4,16
